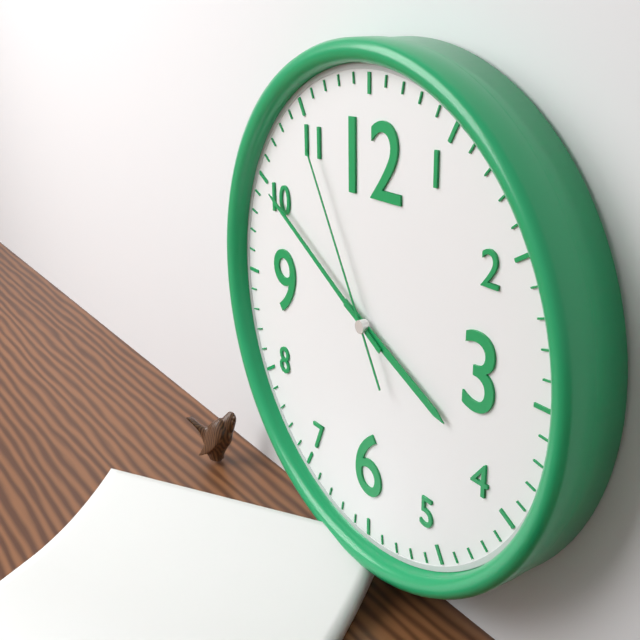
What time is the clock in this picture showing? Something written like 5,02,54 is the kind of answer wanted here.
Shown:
3,50,55
